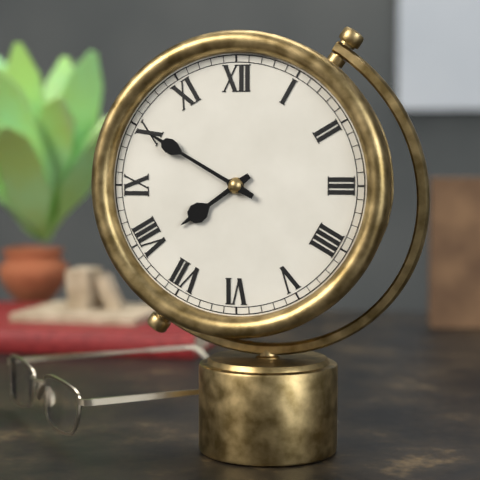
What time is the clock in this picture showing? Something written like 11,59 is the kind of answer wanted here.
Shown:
7,50
